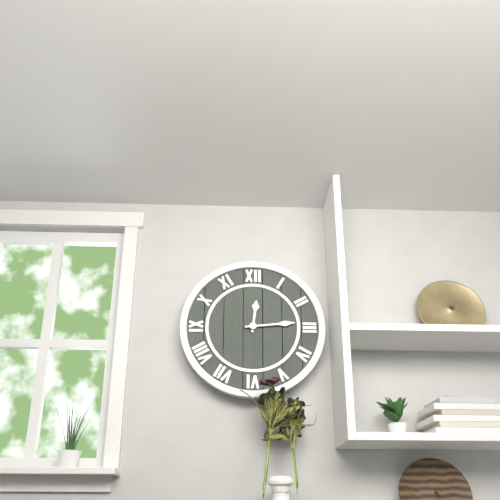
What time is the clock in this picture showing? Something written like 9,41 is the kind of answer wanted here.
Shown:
12,14
